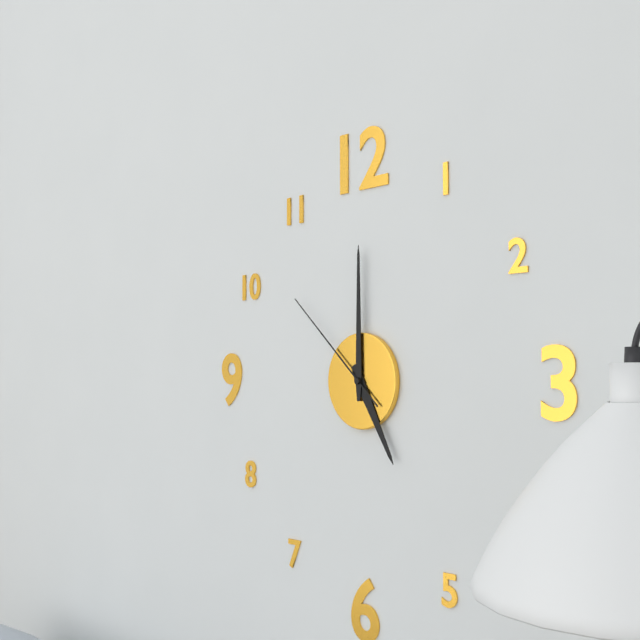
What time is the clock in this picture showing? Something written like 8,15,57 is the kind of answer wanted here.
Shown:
5,00,52
